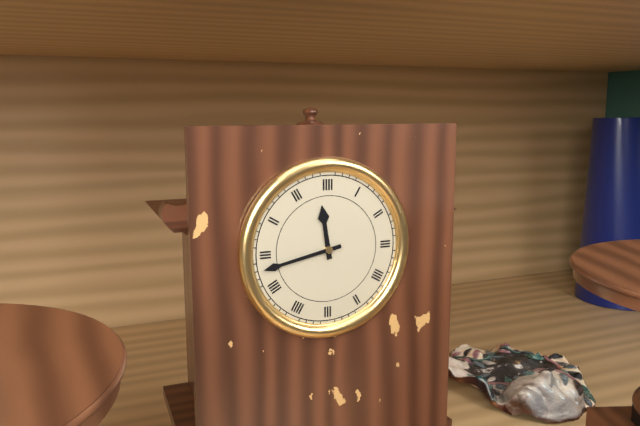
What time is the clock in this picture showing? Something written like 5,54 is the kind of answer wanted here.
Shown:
11,43
